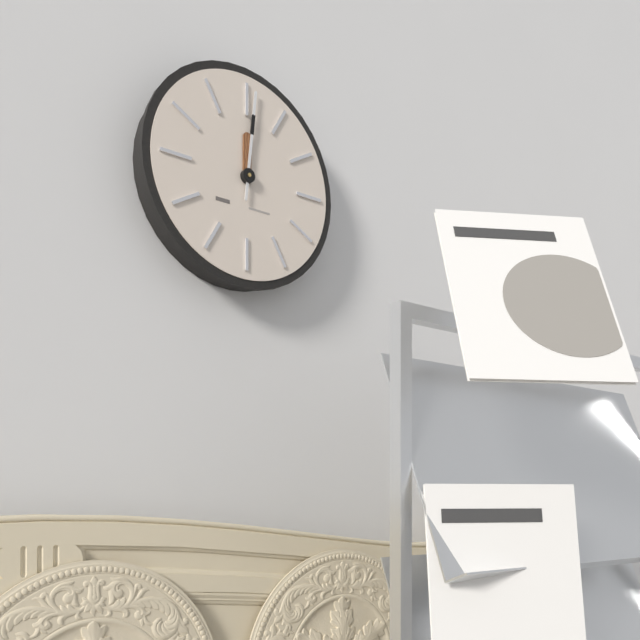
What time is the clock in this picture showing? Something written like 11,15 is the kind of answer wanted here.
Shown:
12,01
